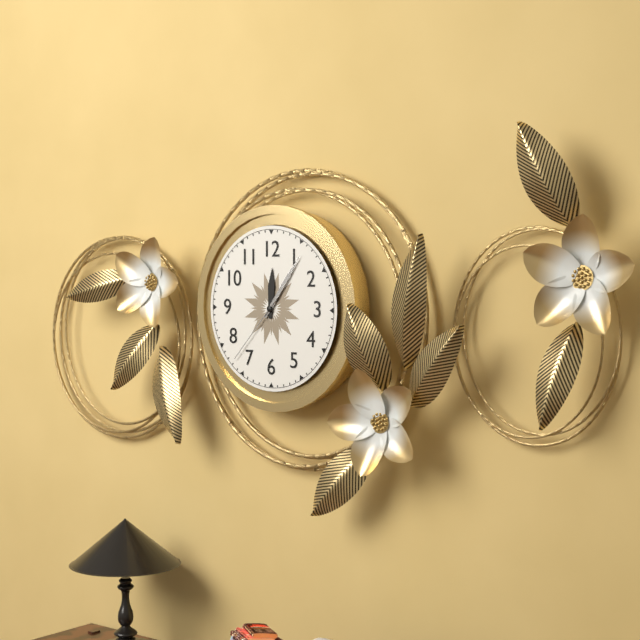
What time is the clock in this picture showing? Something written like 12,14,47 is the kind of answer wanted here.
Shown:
12,06,37
